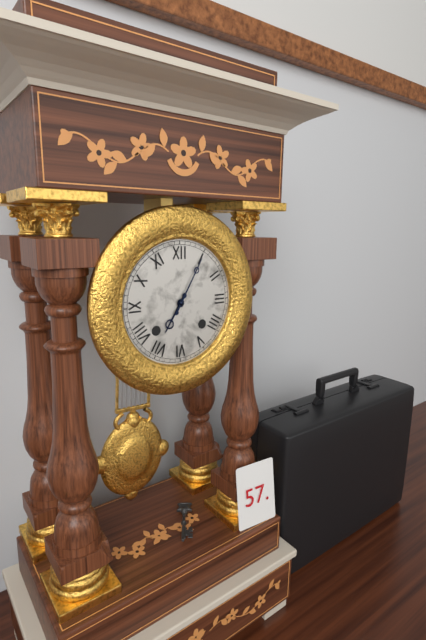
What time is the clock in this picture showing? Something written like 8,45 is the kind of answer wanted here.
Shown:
7,05
